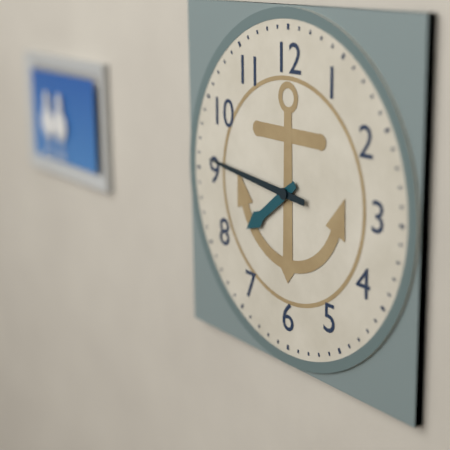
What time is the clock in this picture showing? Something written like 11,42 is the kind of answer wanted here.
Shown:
7,46
